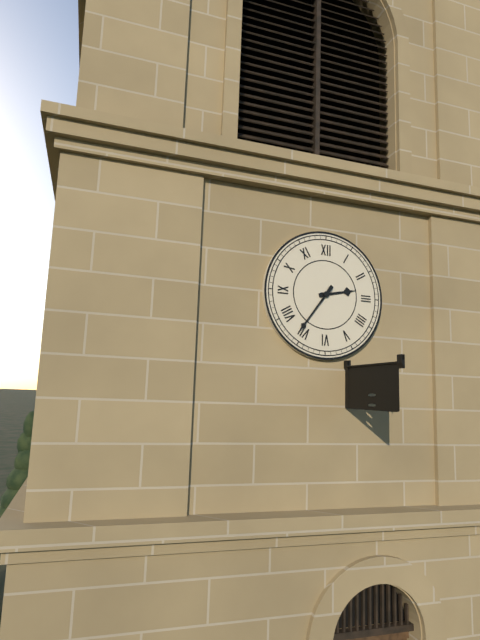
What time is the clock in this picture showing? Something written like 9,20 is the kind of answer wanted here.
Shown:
2,36
